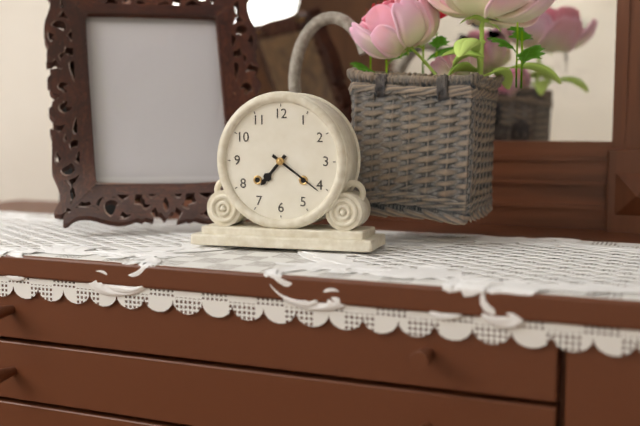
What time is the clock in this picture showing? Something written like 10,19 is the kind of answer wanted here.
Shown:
7,21
